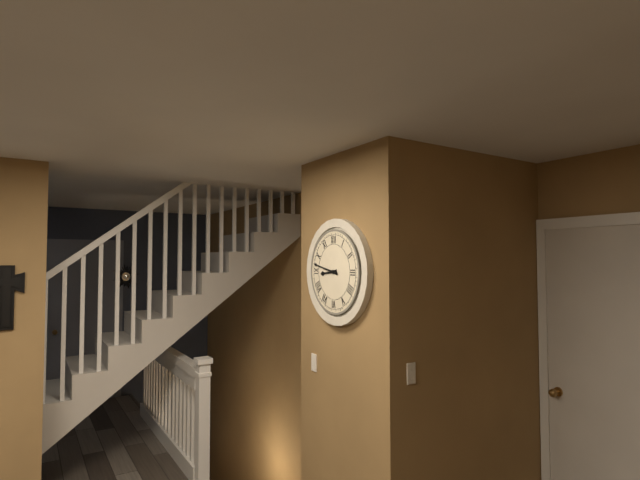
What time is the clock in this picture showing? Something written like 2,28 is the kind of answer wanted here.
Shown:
8,47
